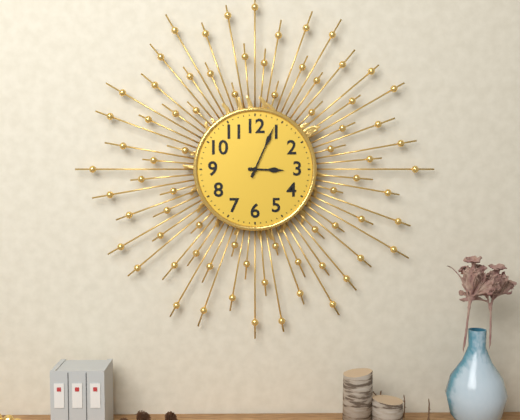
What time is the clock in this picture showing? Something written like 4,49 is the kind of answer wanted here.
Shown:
3,04
